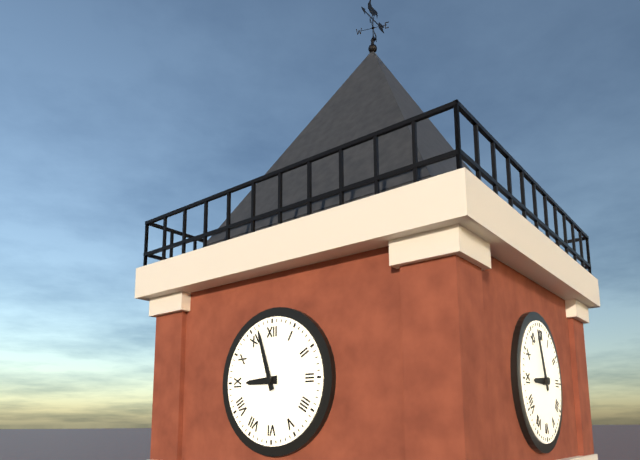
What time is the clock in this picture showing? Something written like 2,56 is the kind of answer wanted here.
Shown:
8,57
